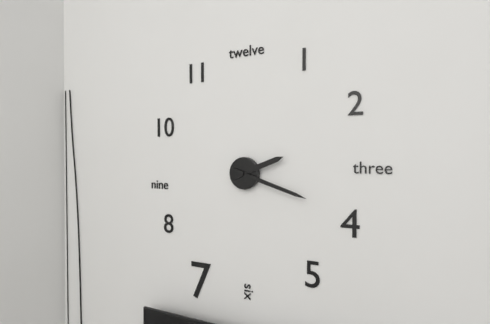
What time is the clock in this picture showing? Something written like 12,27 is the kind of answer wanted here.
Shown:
2,18
